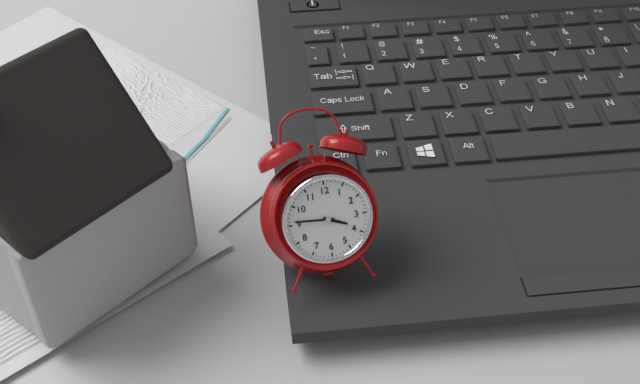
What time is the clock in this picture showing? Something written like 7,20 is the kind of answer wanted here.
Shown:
3,46
